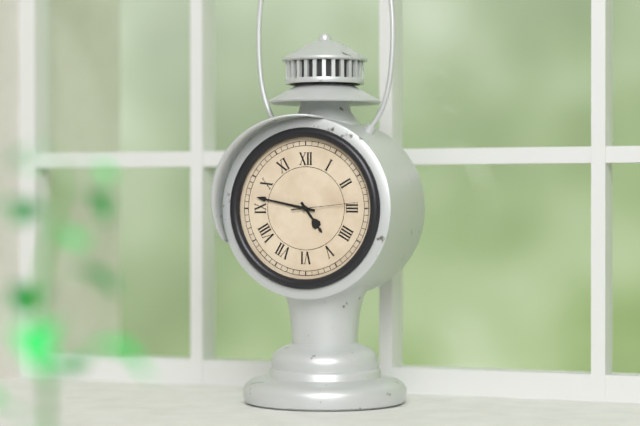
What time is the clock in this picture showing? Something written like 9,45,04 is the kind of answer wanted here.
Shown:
4,47,14
